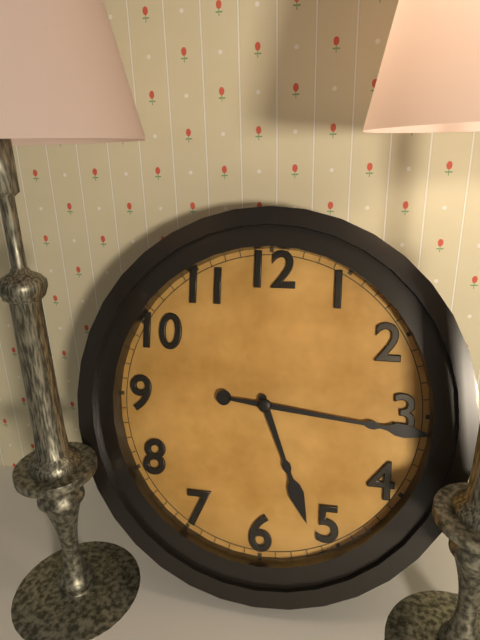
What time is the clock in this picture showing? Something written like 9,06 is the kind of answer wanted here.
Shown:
5,16
